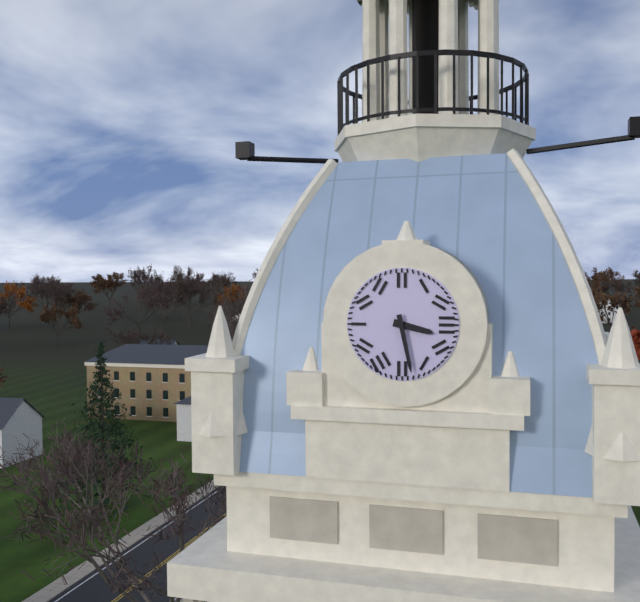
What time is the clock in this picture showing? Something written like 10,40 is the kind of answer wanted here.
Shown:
3,28
